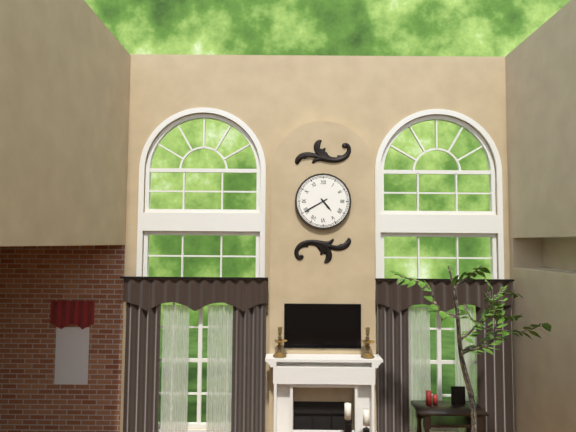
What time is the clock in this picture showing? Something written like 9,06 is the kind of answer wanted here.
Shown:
4,40
